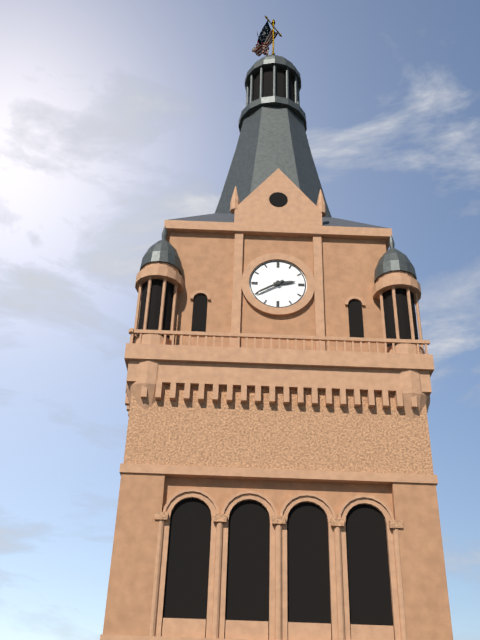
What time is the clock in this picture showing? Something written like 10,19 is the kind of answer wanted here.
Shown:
2,40
